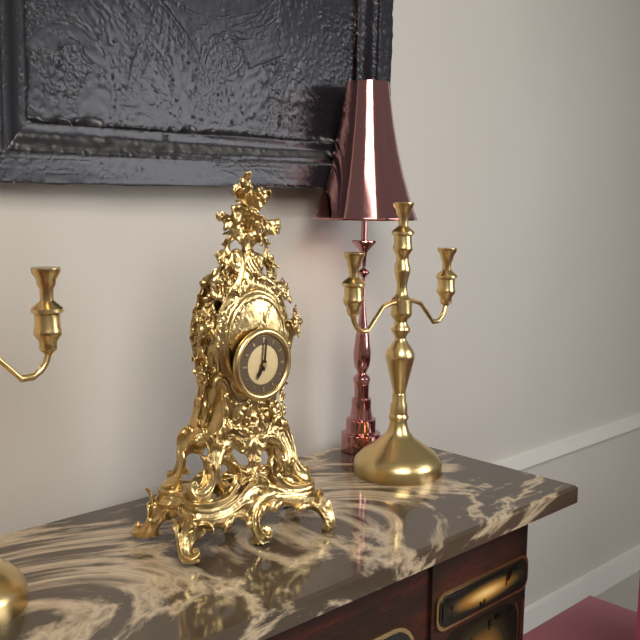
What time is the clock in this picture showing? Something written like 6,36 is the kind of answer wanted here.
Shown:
7,01
